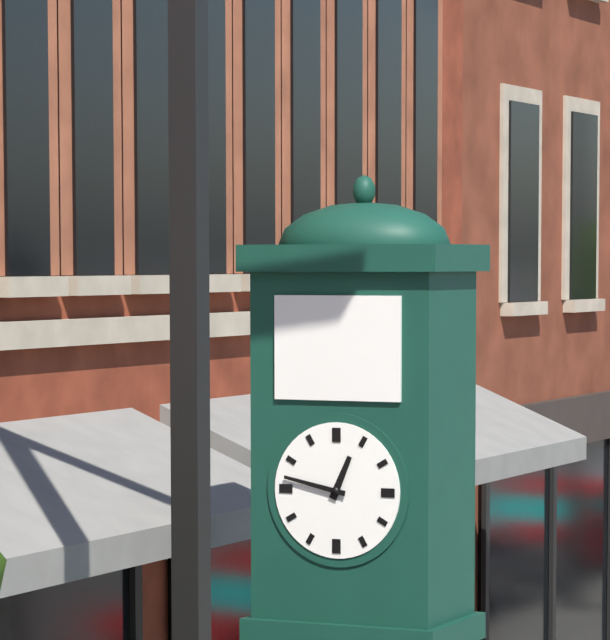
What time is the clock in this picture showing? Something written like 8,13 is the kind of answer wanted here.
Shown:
12,47
